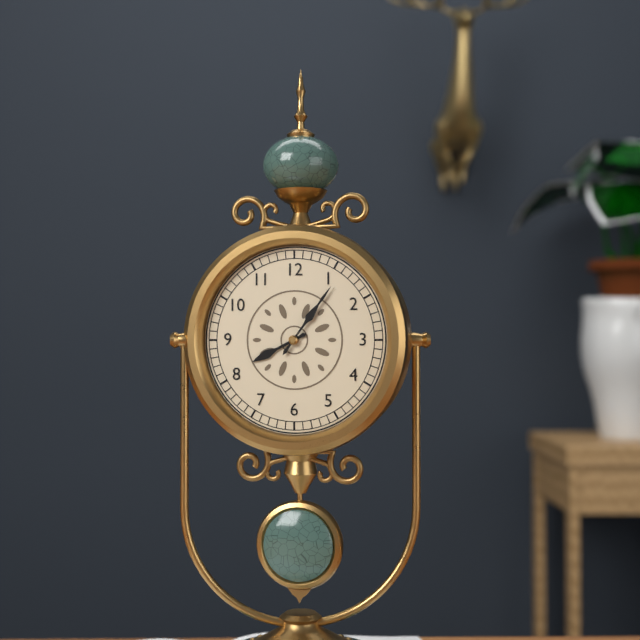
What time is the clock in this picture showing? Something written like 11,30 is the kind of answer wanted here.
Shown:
8,06
